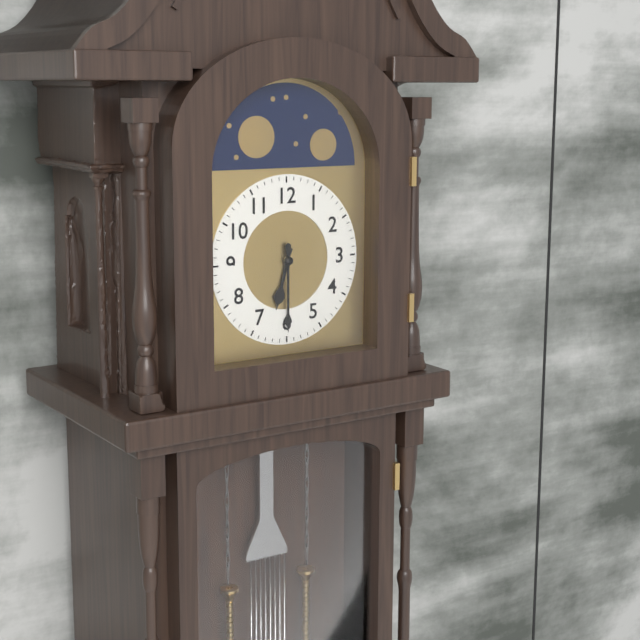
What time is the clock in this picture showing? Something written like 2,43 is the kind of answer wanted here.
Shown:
6,30
